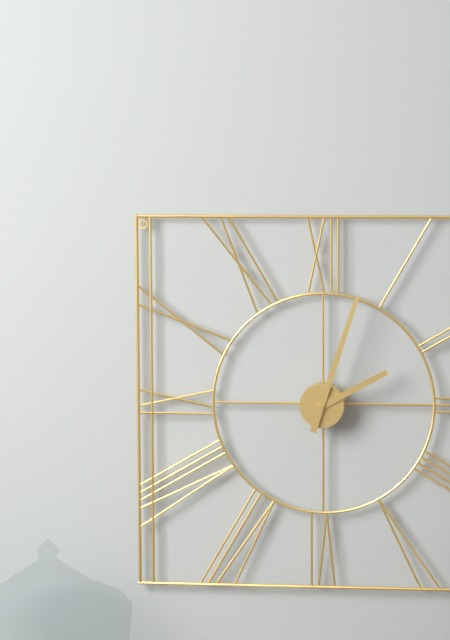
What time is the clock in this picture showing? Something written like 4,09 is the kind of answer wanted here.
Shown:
2,03
